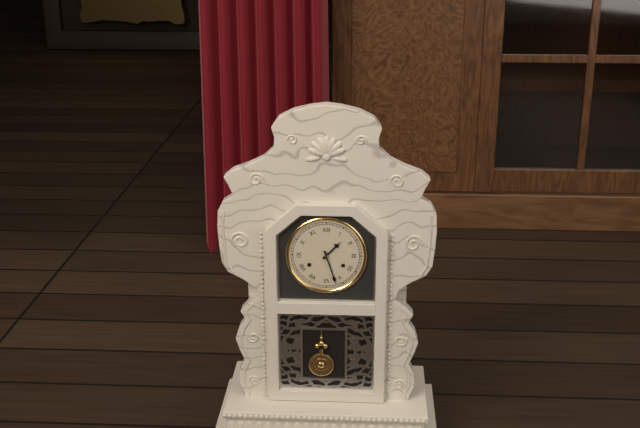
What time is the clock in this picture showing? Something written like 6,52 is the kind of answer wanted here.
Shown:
1,27
